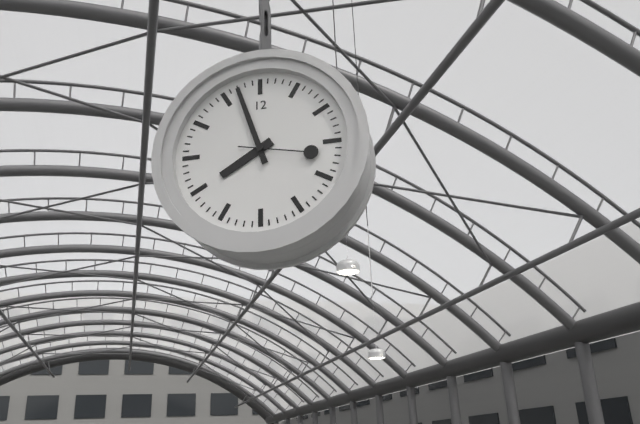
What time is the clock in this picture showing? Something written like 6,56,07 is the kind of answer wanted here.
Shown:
7,57,17
